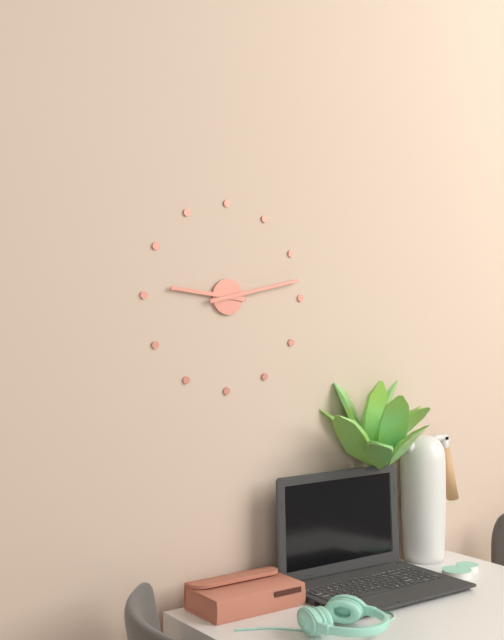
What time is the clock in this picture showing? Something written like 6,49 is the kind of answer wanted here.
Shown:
9,13
